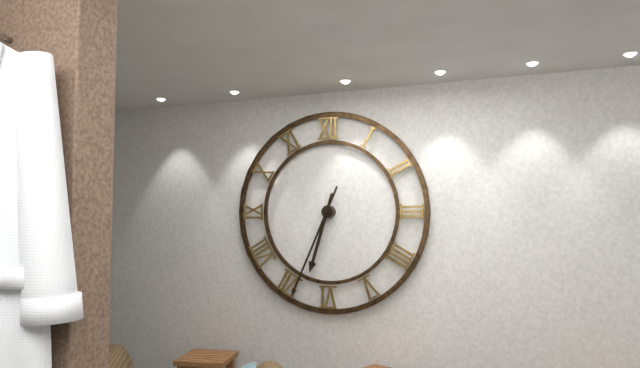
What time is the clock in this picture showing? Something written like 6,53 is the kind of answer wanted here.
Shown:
6,34
